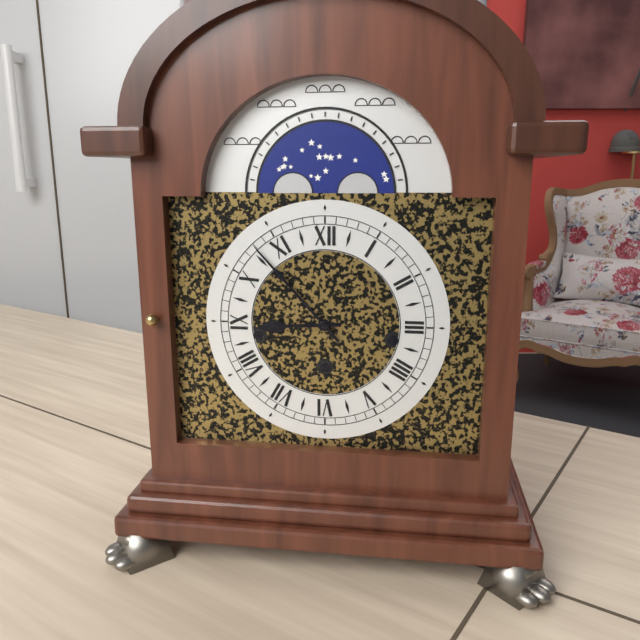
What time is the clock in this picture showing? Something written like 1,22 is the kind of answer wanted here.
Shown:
8,53
